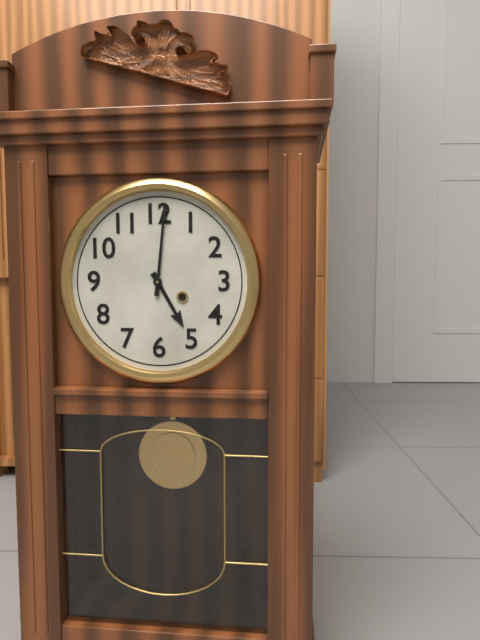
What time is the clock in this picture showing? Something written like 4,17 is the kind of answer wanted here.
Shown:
5,01
